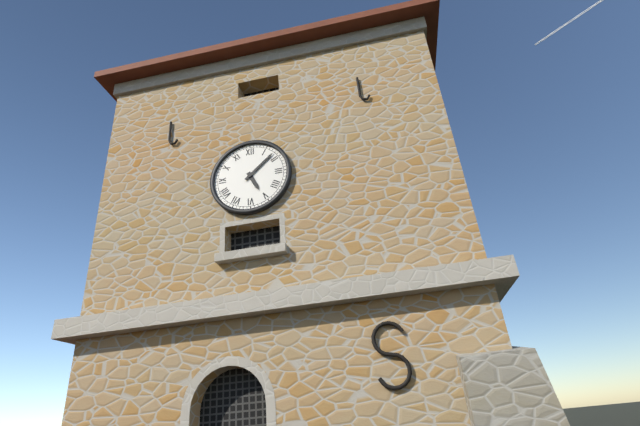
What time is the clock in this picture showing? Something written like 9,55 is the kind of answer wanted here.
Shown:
5,08
